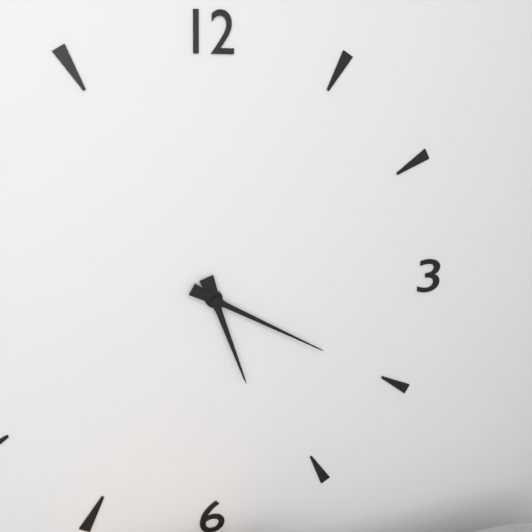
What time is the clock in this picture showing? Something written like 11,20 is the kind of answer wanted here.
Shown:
5,20
